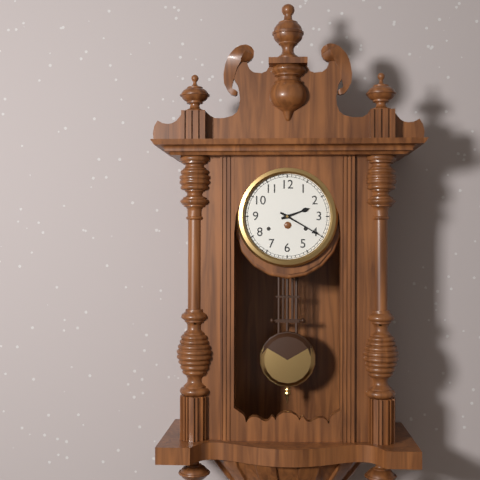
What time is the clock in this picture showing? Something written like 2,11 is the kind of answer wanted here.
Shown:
2,20
